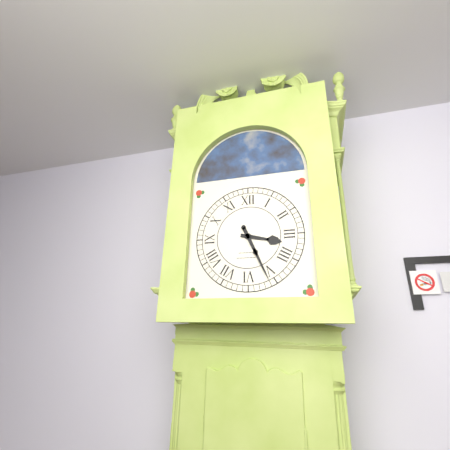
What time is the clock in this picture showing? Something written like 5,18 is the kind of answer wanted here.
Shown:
3,26
